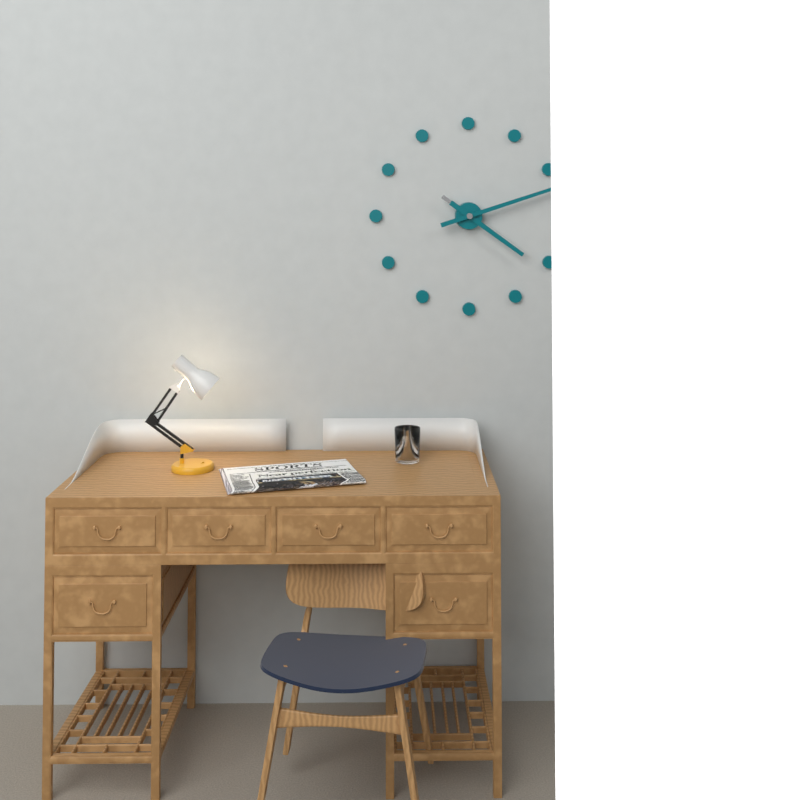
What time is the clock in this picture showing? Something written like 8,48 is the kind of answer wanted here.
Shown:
4,12
